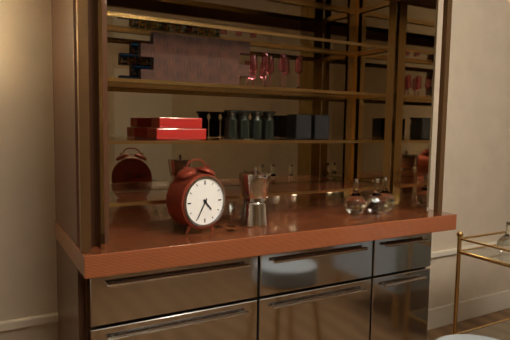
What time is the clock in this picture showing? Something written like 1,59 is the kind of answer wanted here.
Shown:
4,35
